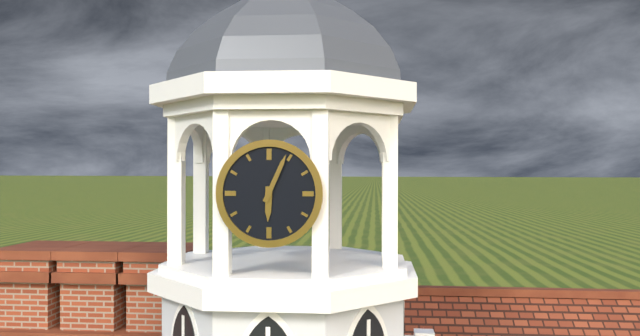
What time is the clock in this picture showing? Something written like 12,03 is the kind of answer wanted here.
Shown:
6,04
